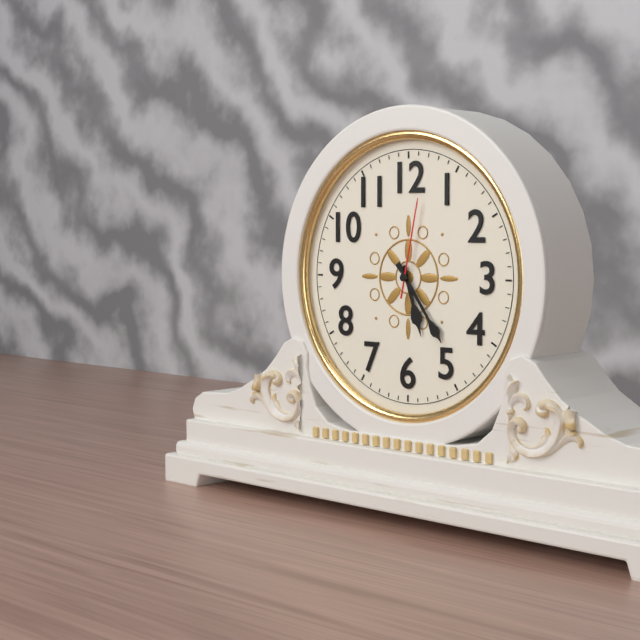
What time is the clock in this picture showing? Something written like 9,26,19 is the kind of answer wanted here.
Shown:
5,24,02
